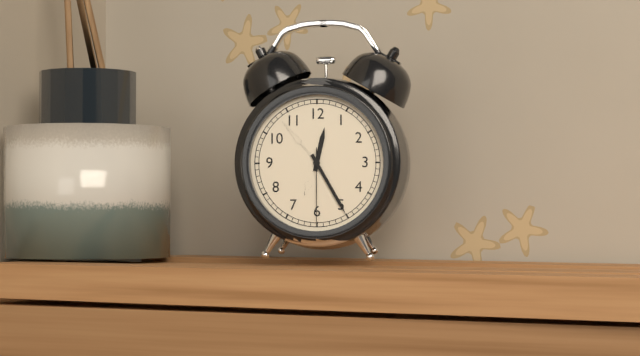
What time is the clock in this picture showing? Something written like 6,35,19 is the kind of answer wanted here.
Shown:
12,25,30
